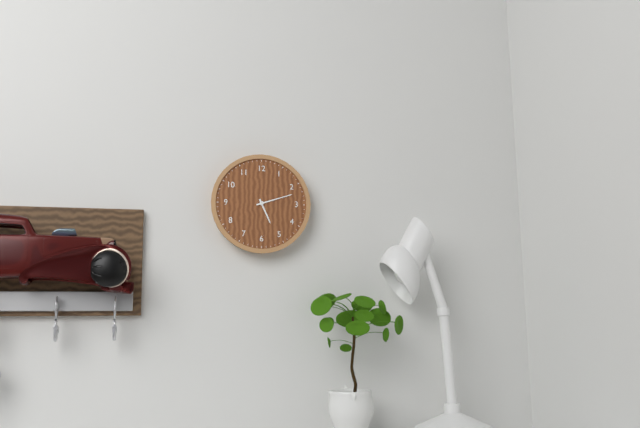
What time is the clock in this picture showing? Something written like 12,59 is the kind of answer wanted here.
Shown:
5,12
